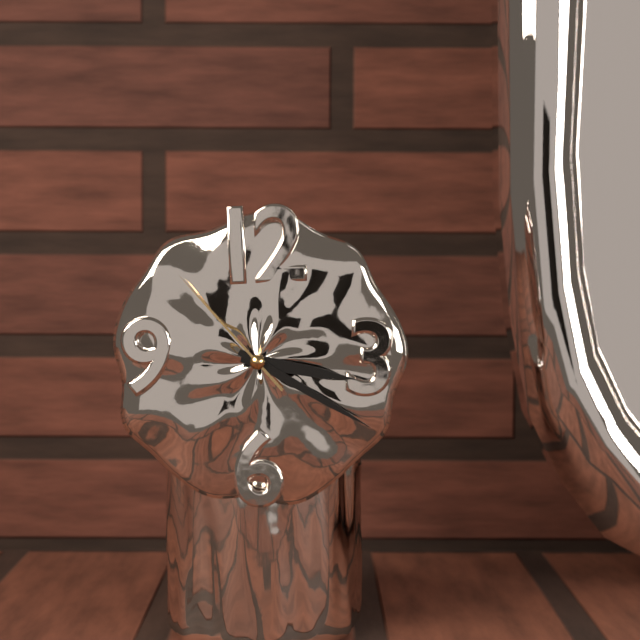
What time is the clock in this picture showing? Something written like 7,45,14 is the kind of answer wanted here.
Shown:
3,20,53
